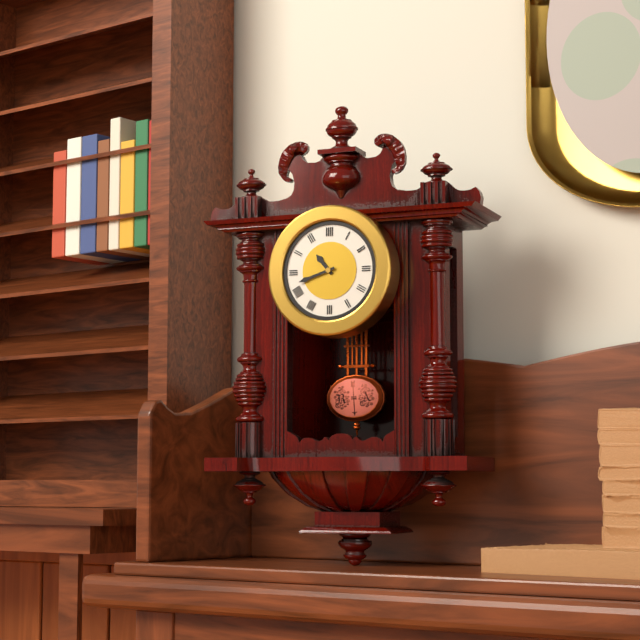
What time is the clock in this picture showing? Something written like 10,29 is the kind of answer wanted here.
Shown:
10,42
